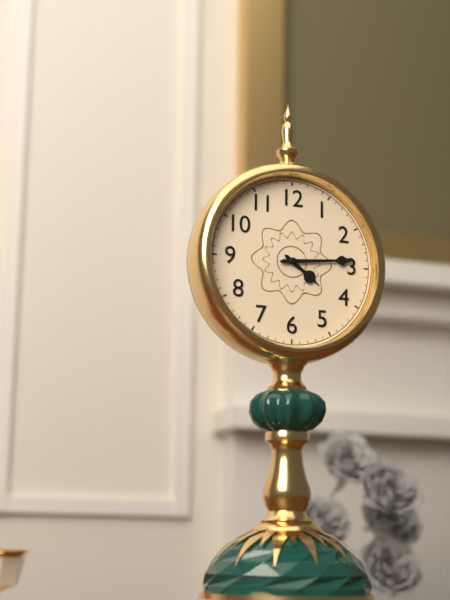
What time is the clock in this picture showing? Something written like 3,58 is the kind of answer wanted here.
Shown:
4,14
